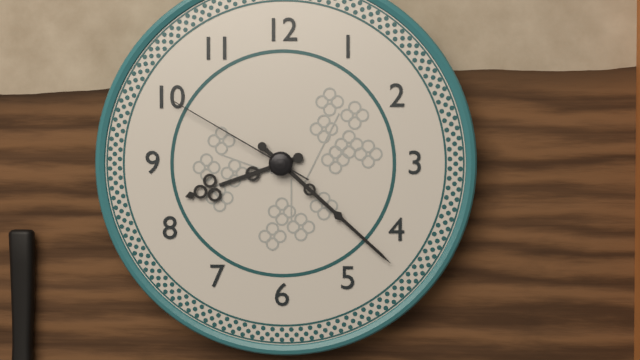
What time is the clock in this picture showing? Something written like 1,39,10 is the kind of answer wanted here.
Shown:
8,22,50
